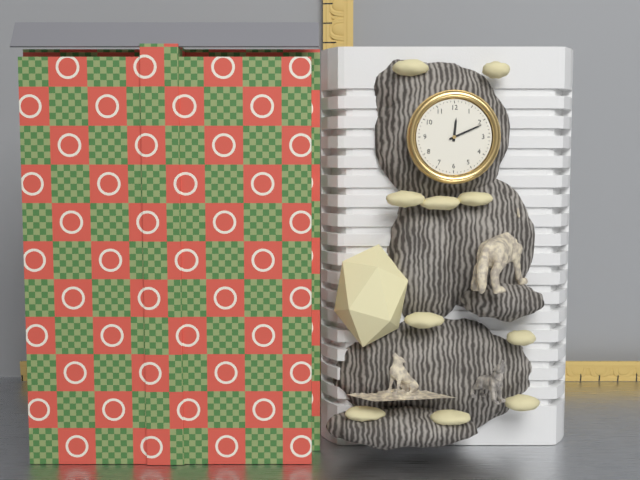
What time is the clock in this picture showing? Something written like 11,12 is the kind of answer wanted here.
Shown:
12,11
